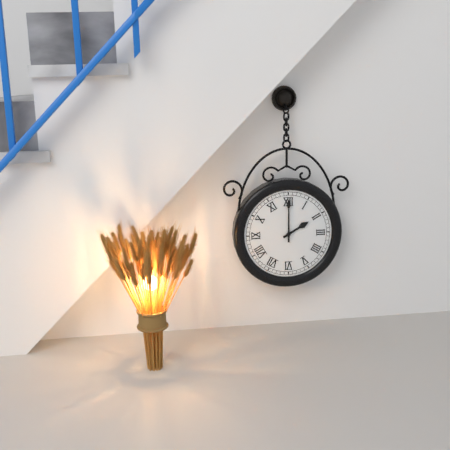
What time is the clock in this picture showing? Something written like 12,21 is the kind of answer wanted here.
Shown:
2,00
